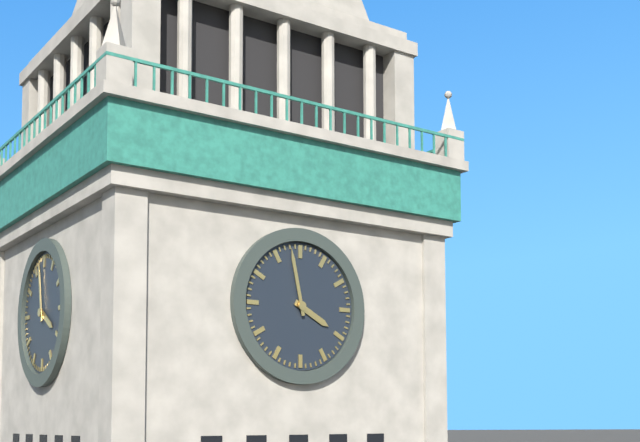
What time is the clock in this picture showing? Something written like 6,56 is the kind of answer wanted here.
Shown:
3,58
